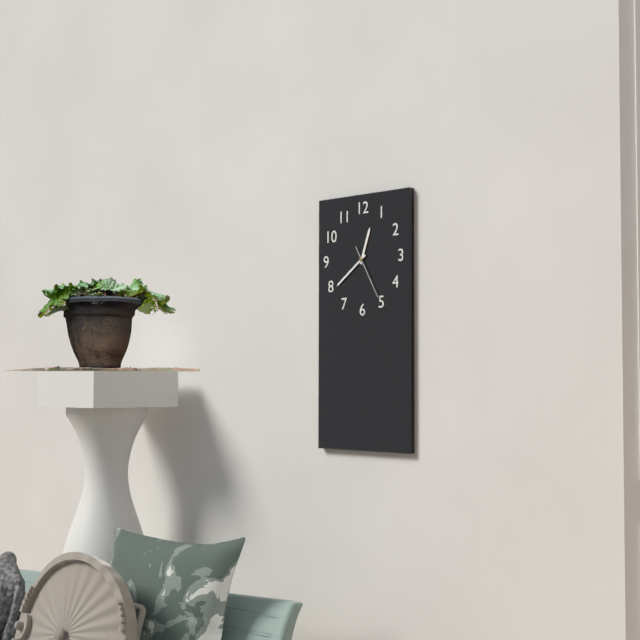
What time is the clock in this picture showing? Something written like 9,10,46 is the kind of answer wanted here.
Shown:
12,39,25
